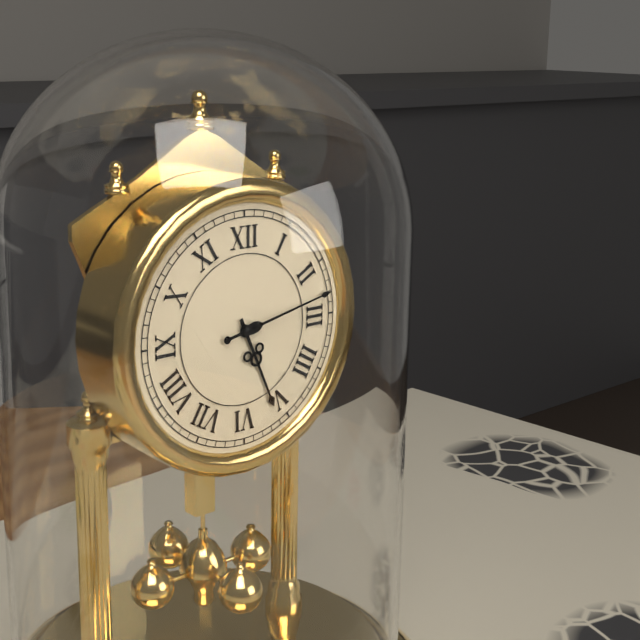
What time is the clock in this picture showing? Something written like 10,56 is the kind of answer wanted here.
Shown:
5,13
